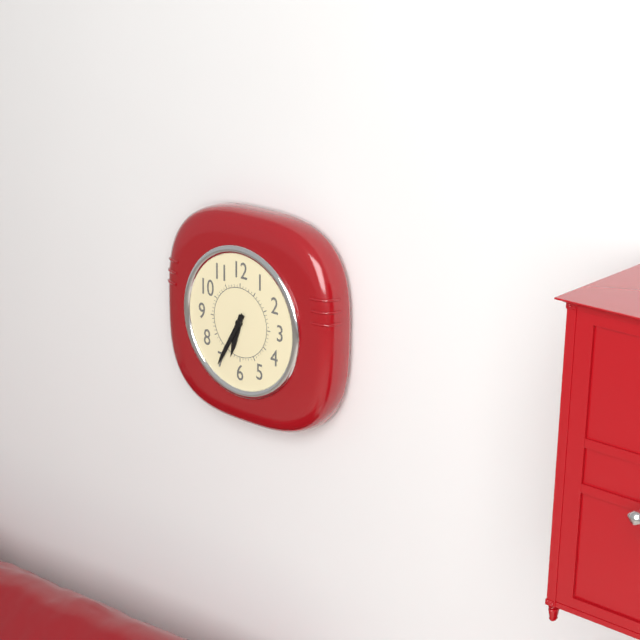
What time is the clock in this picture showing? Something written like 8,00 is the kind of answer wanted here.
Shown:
6,35
